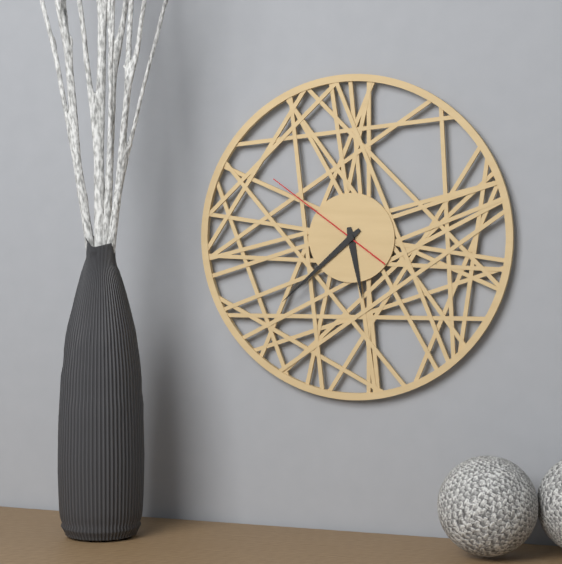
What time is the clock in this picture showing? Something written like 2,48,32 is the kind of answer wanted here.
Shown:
5,38,51
